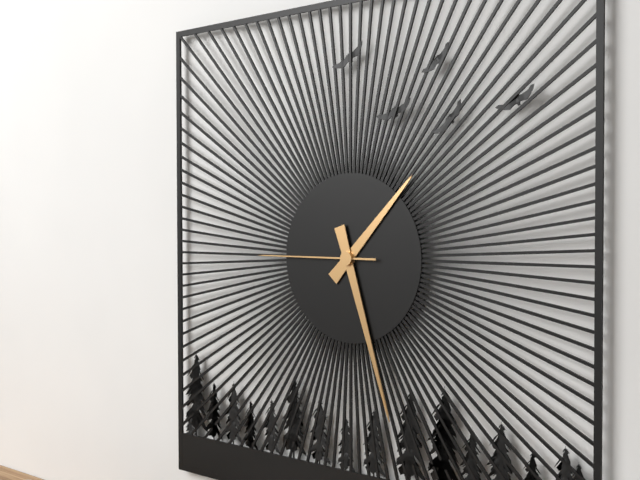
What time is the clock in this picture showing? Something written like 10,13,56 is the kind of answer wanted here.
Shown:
1,27,45
